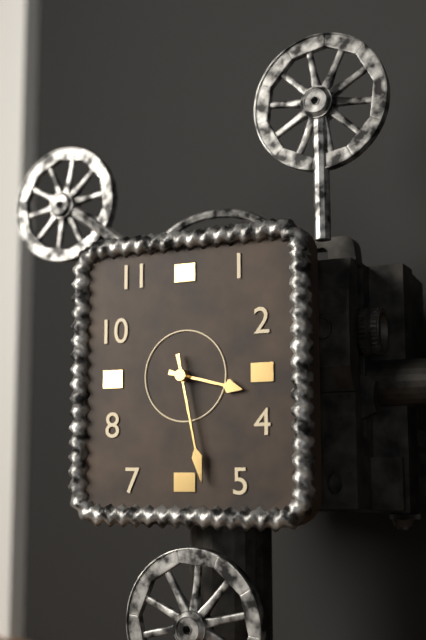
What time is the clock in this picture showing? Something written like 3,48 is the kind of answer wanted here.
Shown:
3,28
